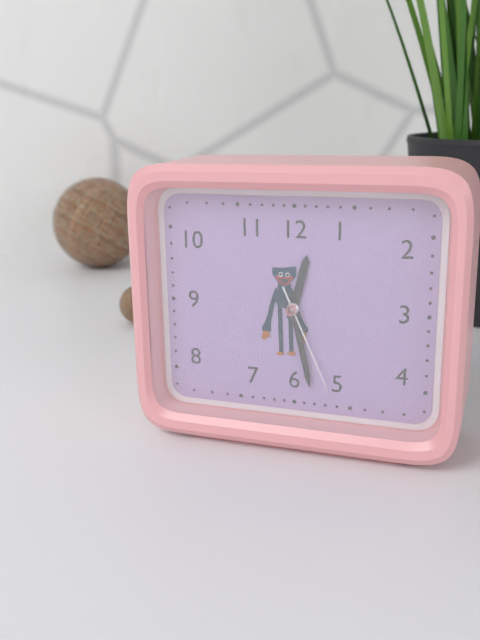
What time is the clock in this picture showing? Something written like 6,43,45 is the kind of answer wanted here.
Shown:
12,28,26
